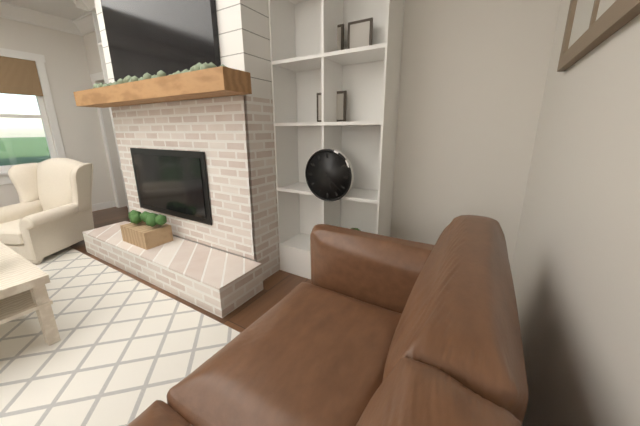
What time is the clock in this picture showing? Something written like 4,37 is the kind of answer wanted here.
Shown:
5,22
